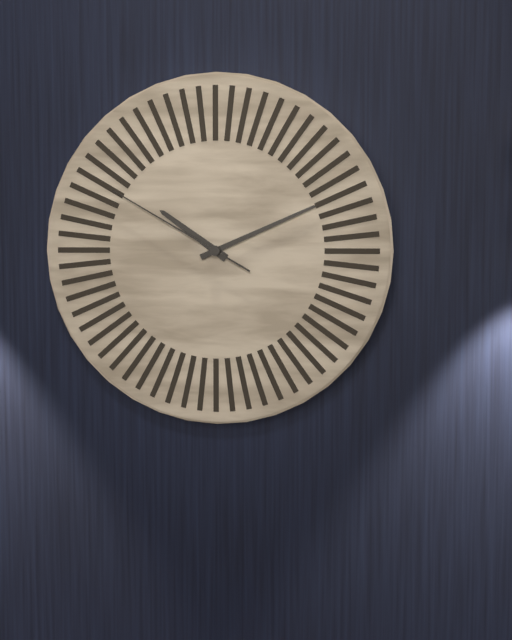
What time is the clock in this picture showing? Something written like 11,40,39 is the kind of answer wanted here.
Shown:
10,11,50
